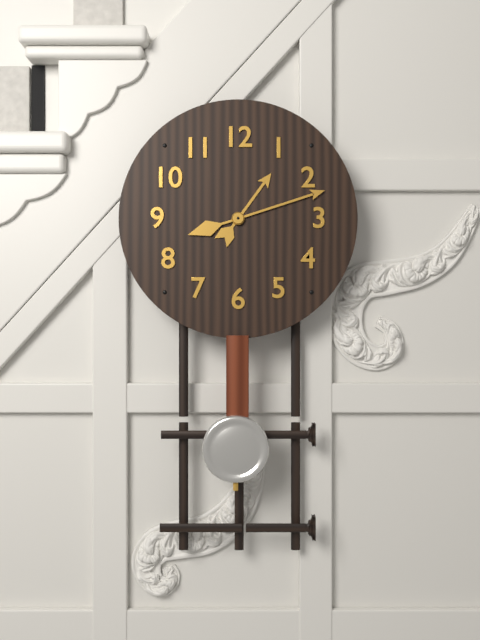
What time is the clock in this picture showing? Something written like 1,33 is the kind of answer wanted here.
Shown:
1,12
